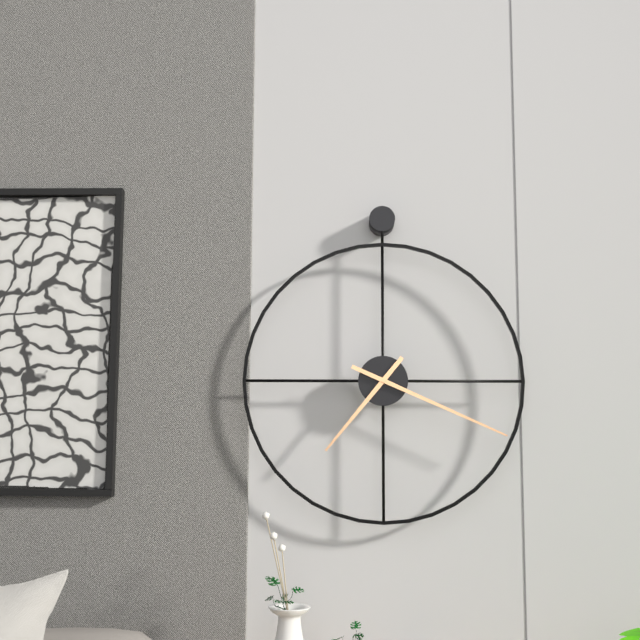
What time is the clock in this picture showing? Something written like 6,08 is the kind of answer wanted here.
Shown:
7,19
